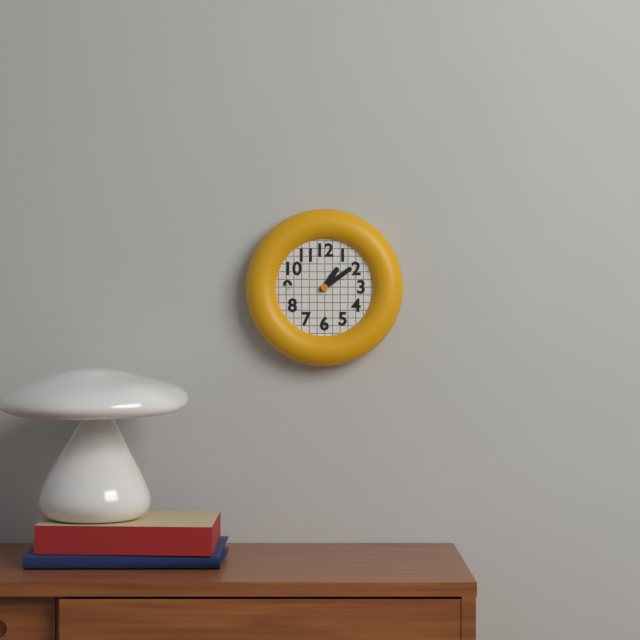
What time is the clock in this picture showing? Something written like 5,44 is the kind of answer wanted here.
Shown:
1,09
